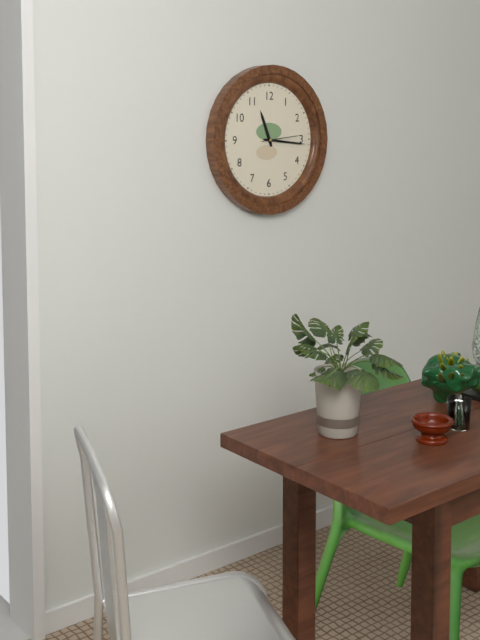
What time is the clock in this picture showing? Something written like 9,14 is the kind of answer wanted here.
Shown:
11,16
